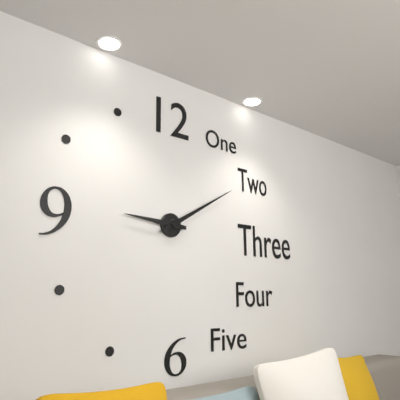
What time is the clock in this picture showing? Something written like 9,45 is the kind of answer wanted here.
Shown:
9,10
